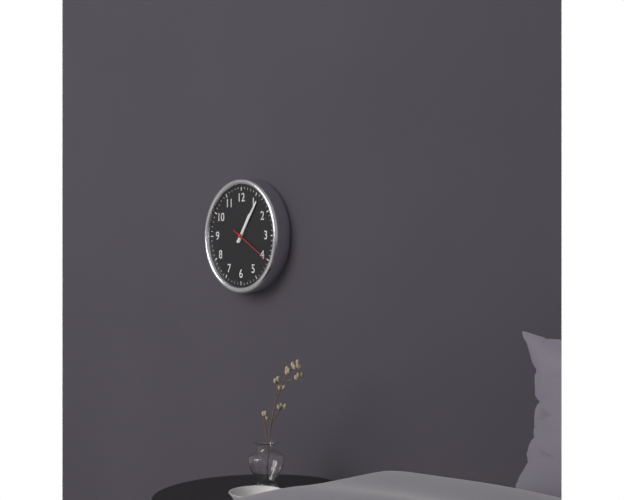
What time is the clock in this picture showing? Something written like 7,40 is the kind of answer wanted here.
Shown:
1,06
